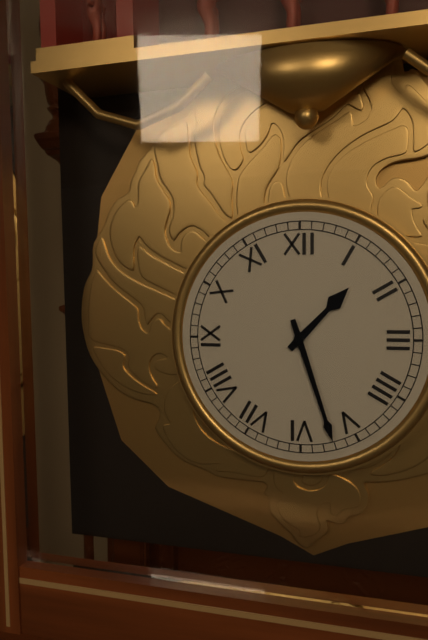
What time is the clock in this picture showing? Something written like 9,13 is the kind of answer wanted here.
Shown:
1,27
